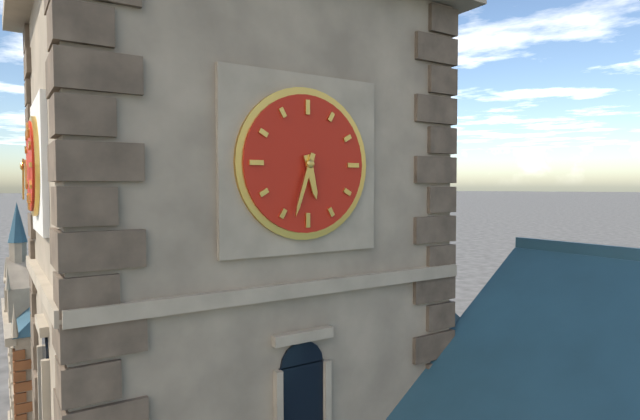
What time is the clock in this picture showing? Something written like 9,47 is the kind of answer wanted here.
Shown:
5,33
